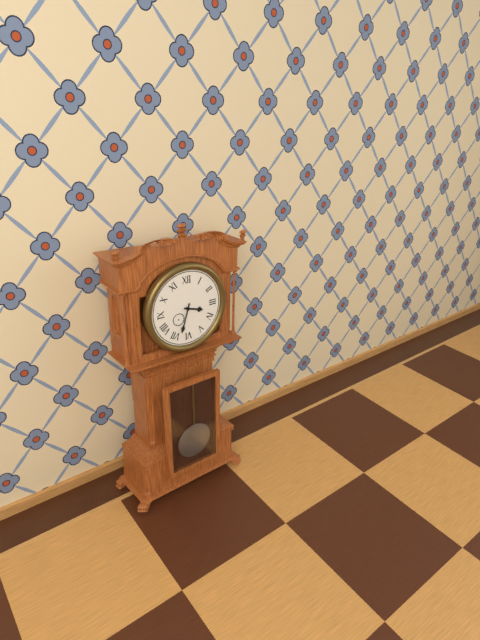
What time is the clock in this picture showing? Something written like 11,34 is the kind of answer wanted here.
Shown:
3,33
